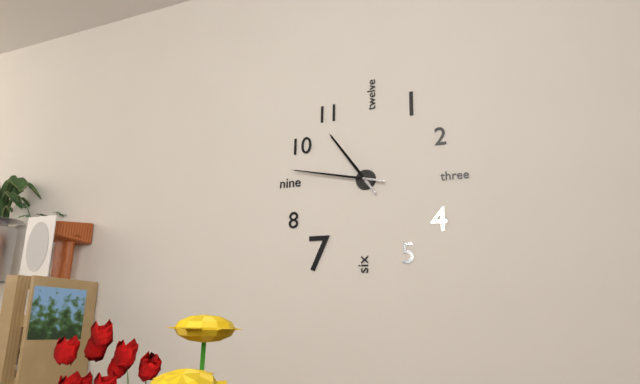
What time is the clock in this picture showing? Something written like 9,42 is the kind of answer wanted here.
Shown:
10,47
